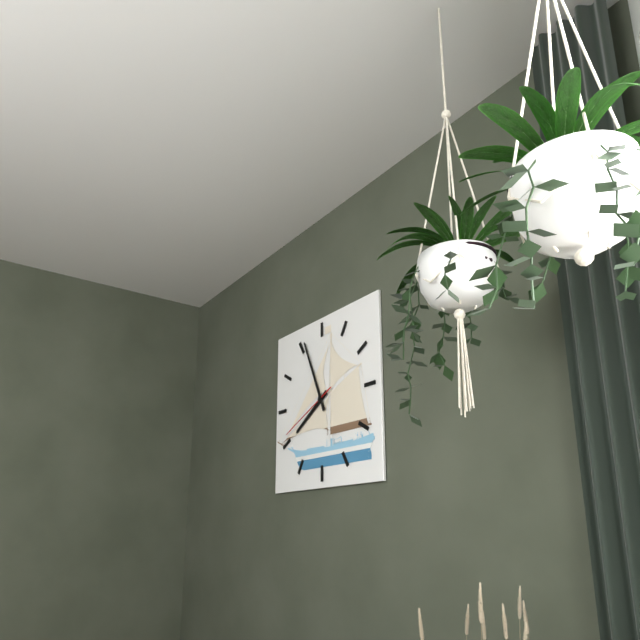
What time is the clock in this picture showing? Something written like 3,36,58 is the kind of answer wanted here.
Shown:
7,56,41
